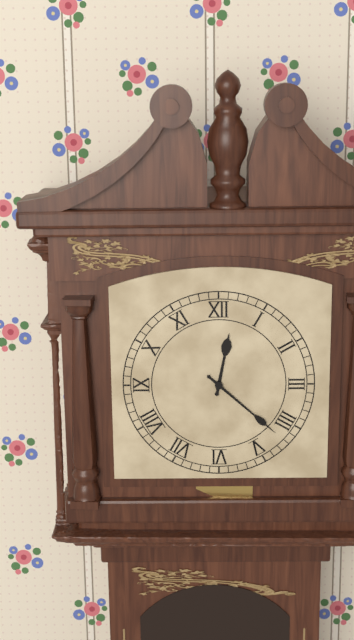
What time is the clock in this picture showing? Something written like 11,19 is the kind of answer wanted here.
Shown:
12,22
